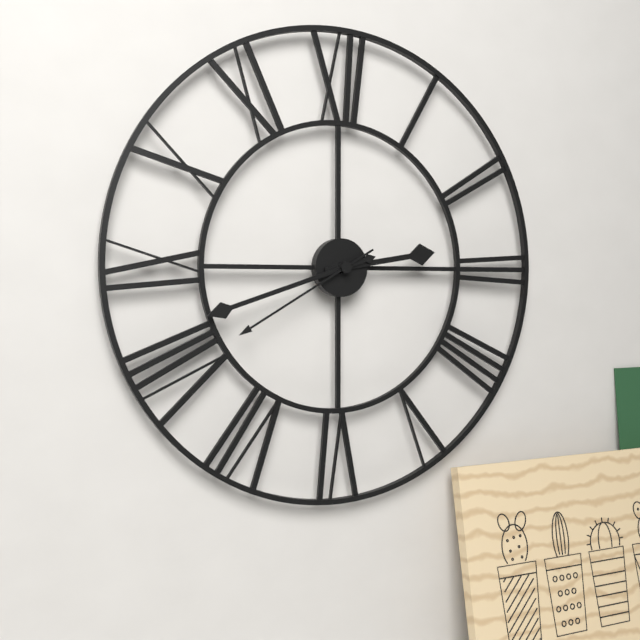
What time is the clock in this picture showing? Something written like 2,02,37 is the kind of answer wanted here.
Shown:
2,42,40
